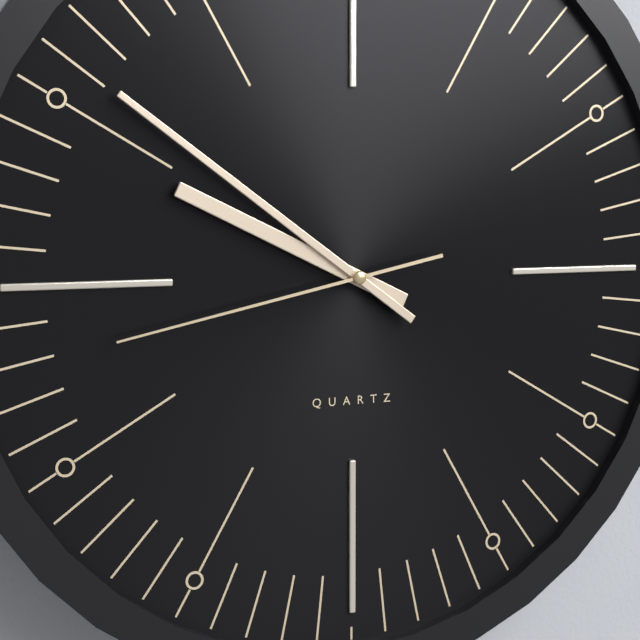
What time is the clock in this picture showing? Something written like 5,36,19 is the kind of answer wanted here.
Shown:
9,51,43
